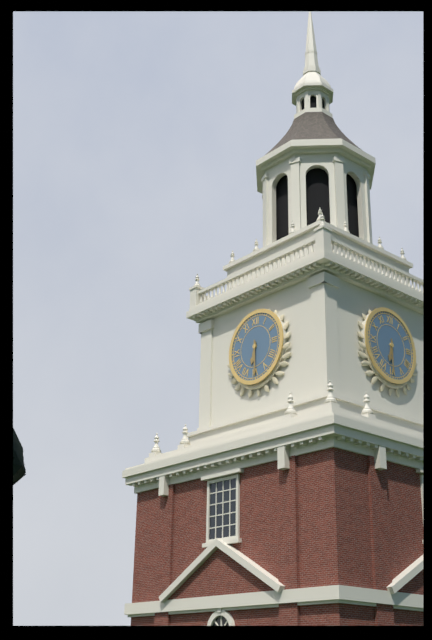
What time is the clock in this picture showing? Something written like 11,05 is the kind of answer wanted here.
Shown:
6,30
